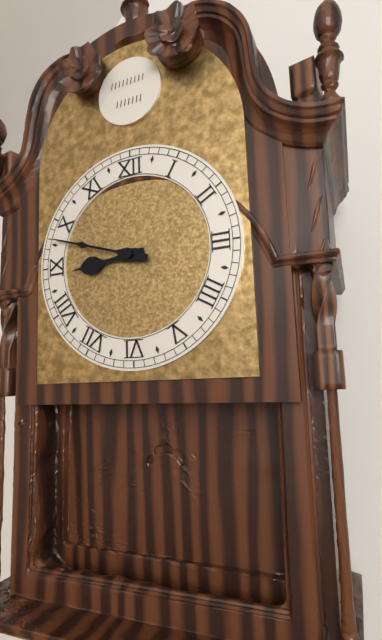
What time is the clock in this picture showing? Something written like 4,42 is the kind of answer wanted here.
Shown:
8,48
